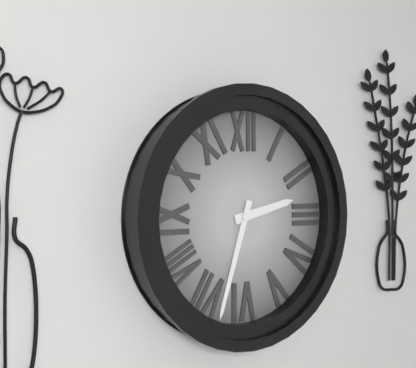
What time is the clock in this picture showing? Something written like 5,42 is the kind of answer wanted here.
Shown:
2,33
